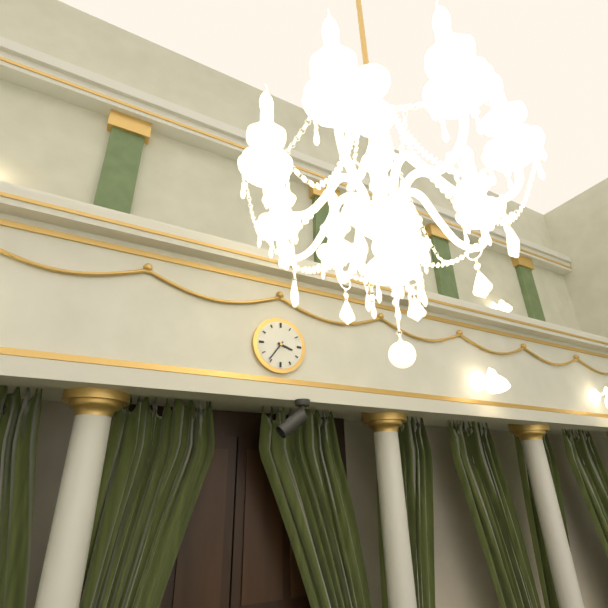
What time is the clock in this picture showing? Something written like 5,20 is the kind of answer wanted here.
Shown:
3,36
